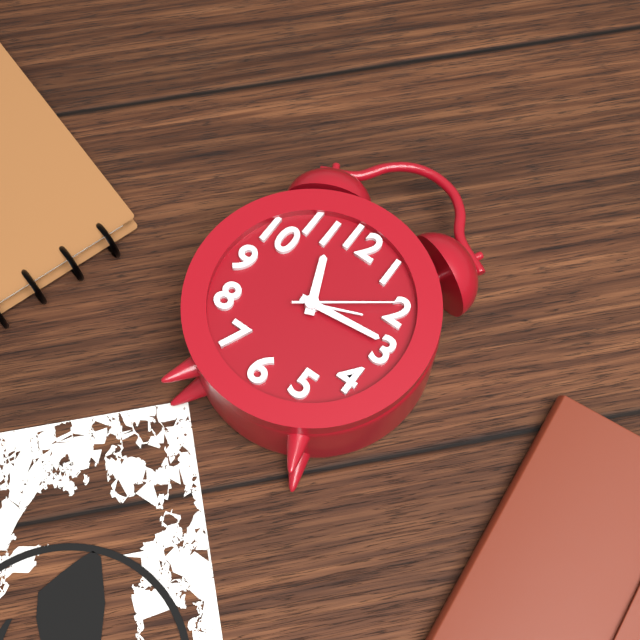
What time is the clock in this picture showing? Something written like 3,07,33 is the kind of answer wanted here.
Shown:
11,14,09
